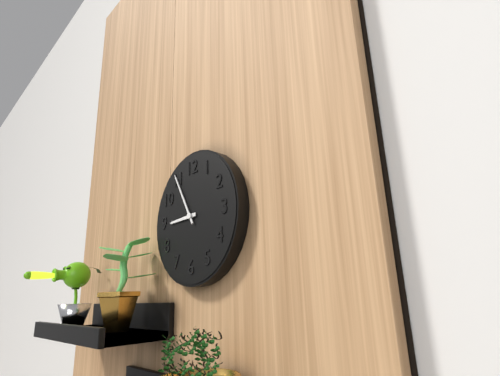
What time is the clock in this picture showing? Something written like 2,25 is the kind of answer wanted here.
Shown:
8,55
